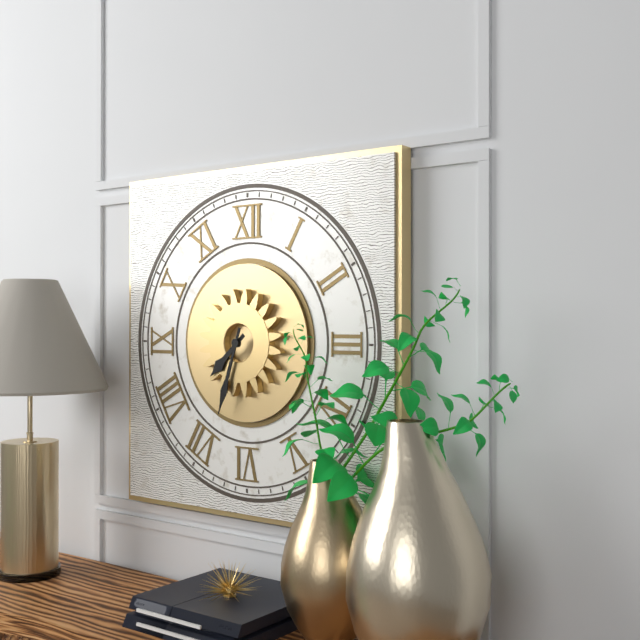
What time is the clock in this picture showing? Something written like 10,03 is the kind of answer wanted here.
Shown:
7,33
